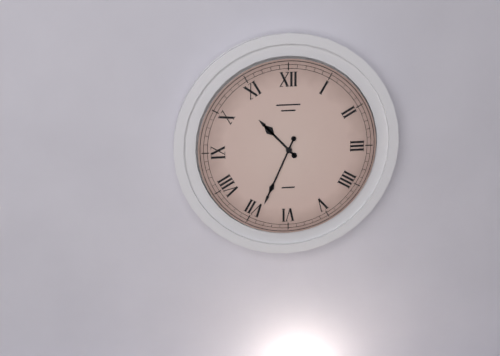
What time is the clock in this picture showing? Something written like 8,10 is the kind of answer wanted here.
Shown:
10,34
